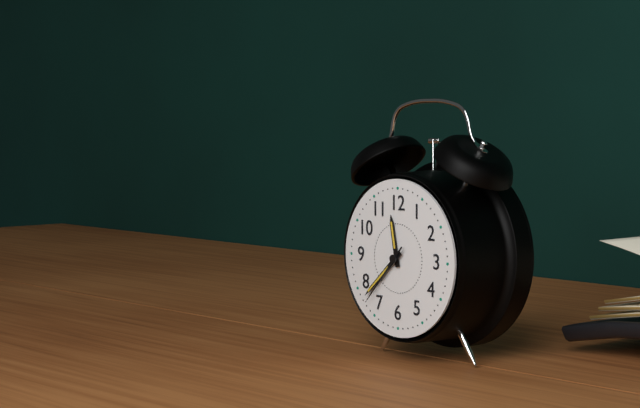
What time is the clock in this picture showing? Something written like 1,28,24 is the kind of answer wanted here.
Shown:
11,38,37
